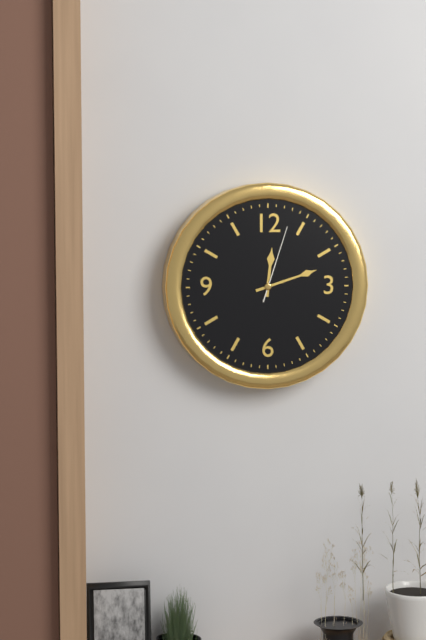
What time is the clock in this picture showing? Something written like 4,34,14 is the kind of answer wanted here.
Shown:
12,12,03
